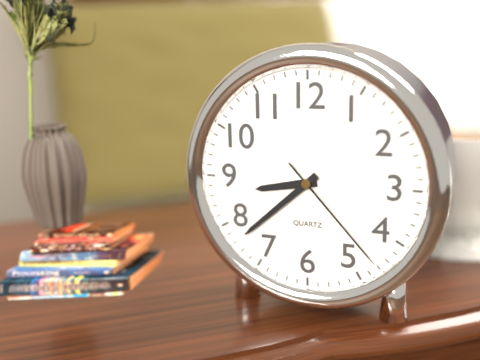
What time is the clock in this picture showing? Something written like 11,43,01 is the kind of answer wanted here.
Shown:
8,38,23
